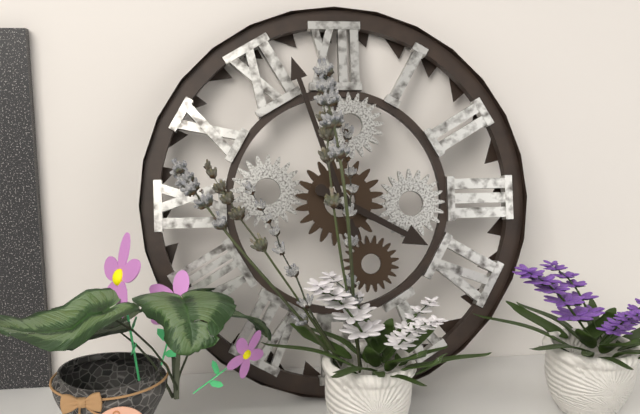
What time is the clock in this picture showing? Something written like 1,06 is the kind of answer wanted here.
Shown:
3,57
